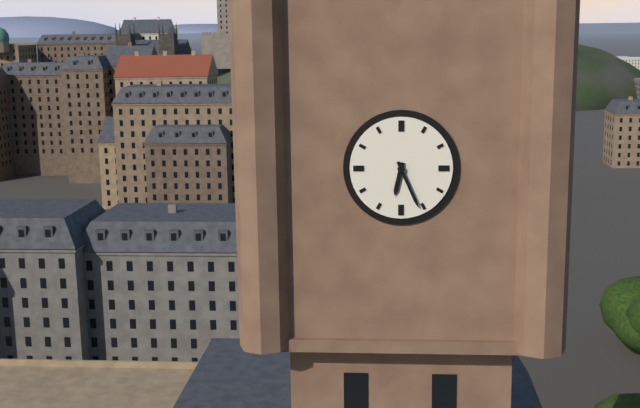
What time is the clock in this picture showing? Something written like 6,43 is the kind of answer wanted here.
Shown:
6,26
